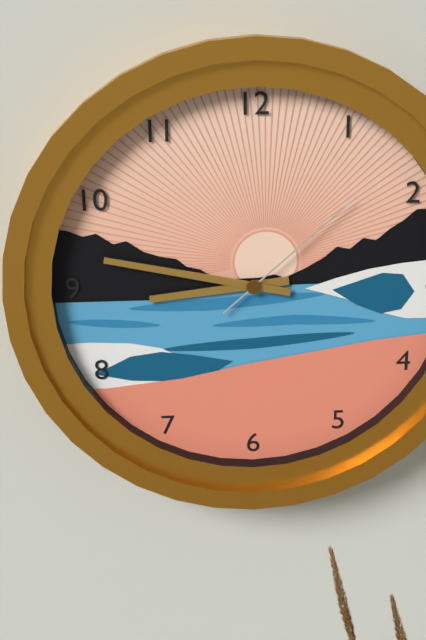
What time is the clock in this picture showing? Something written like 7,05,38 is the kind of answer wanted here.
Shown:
8,47,08
